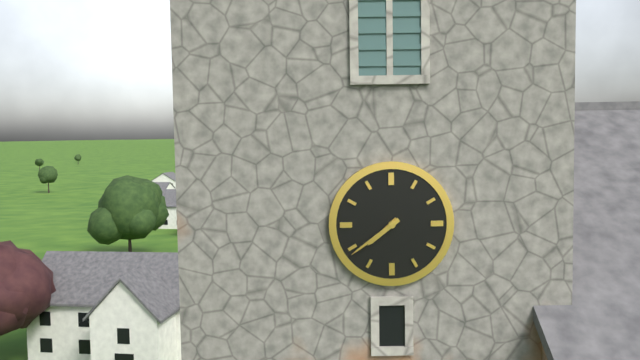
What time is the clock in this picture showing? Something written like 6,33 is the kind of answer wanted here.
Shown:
7,39
